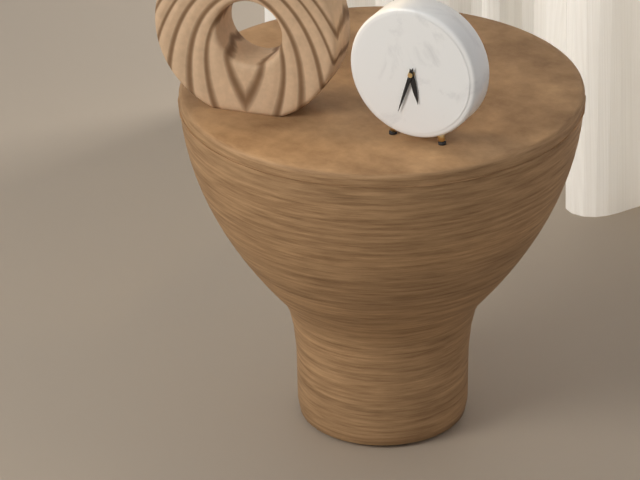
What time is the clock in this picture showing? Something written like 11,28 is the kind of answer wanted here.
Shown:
5,33
